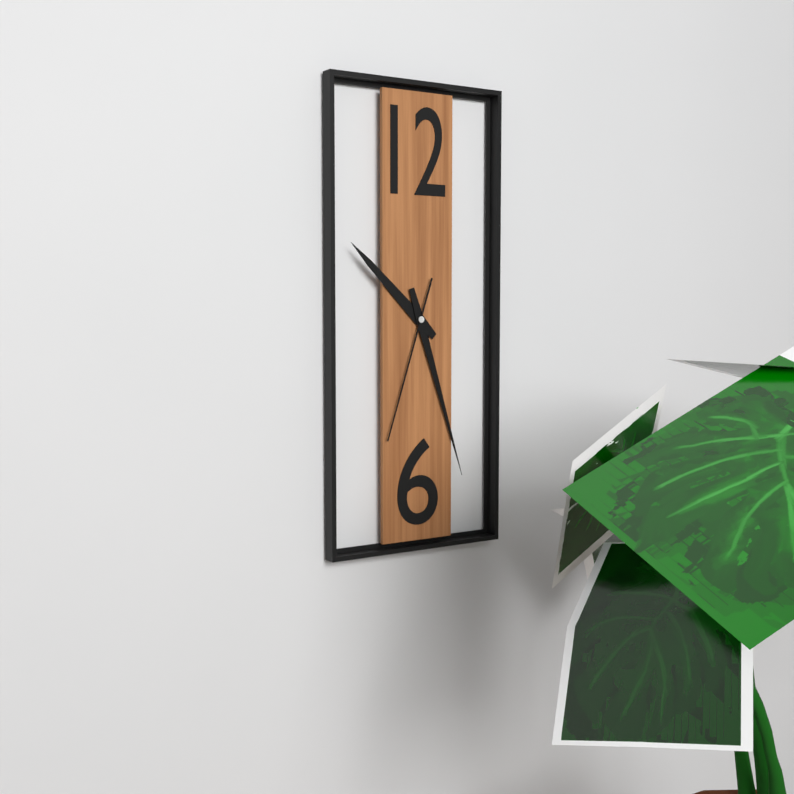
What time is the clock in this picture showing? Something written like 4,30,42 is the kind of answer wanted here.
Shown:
10,27,33
